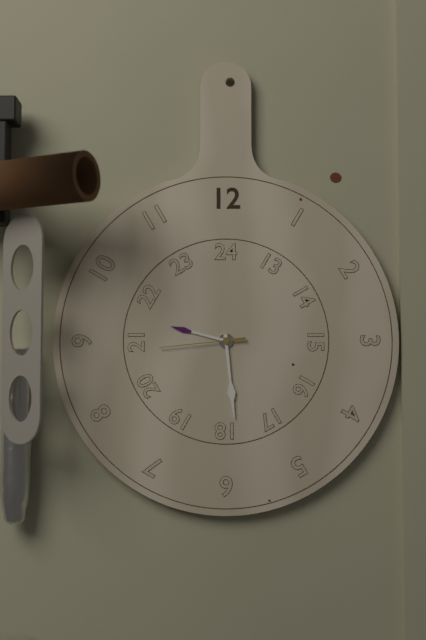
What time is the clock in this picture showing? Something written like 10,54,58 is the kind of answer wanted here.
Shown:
9,29,44
